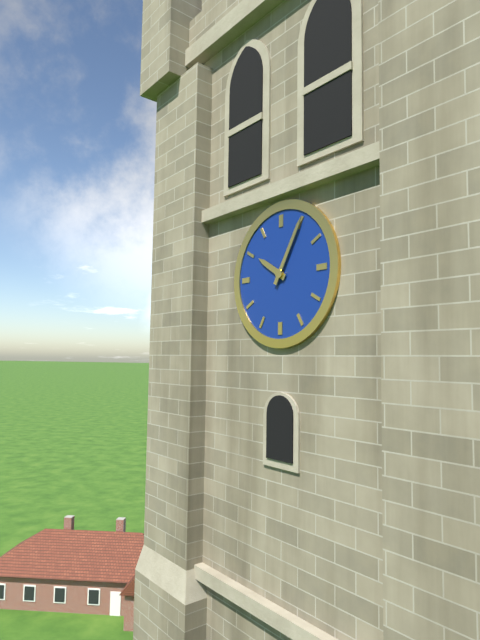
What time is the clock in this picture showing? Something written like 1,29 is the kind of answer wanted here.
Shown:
10,05
